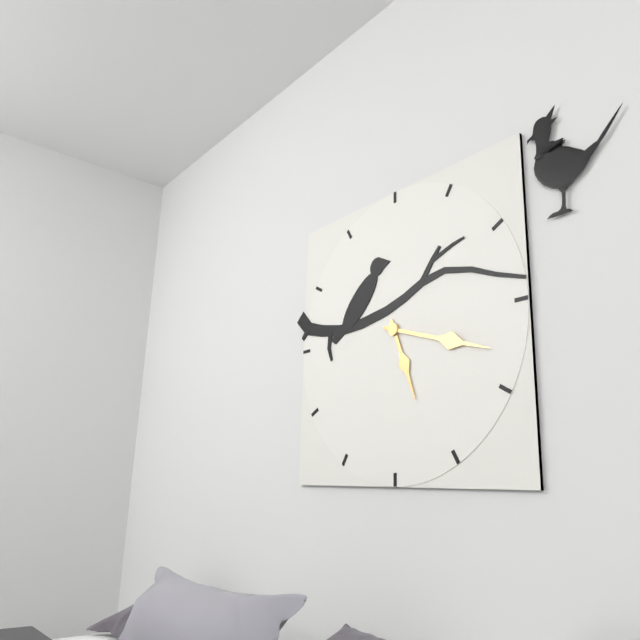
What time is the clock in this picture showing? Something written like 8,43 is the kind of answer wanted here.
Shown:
5,18
